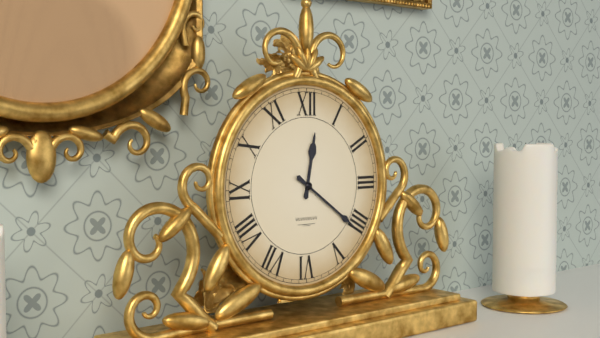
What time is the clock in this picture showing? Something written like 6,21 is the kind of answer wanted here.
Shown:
12,21
